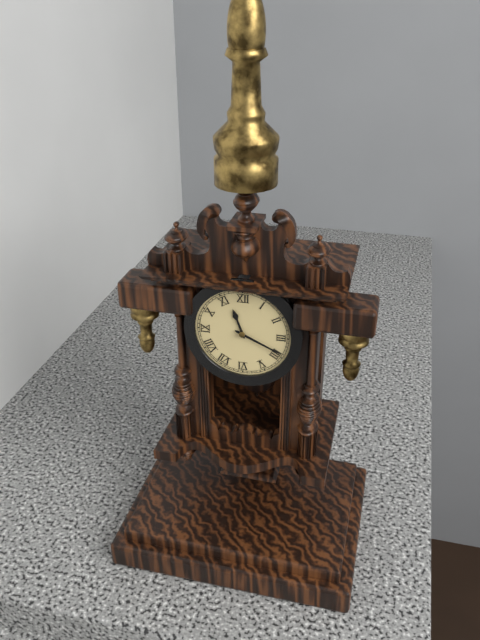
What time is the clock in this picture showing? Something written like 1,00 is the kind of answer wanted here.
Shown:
11,19
